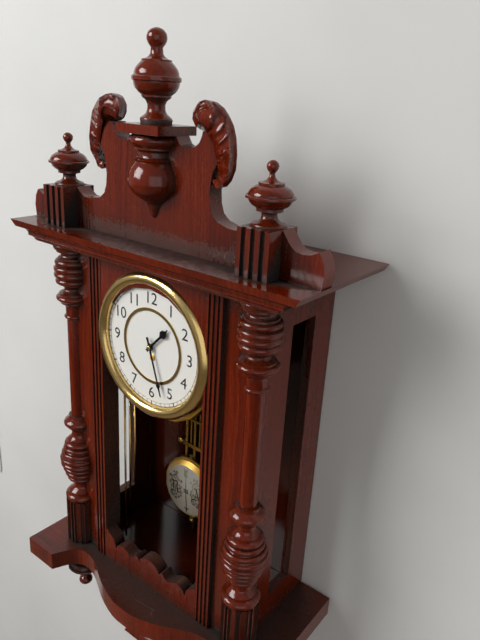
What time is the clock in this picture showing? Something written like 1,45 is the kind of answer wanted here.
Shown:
1,27
